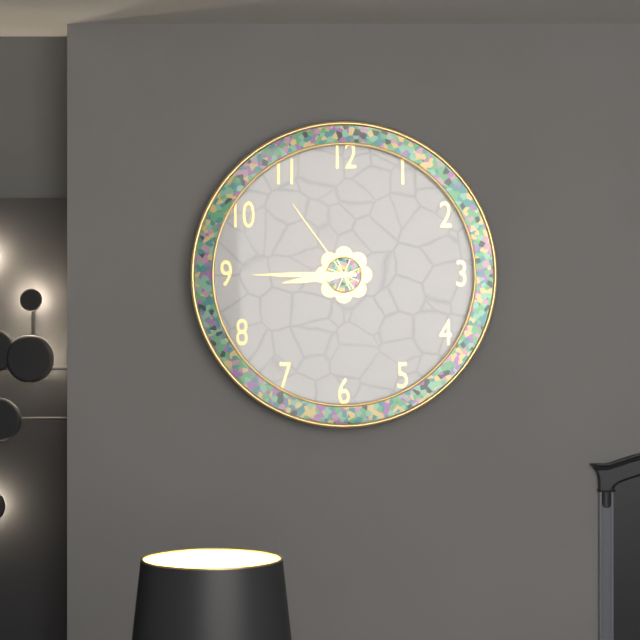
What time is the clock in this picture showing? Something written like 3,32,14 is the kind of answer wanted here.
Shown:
8,45,54
